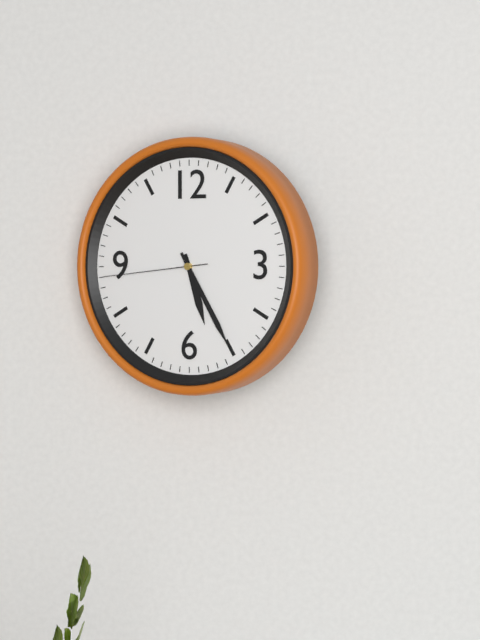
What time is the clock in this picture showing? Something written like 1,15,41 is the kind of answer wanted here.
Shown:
5,25,44
